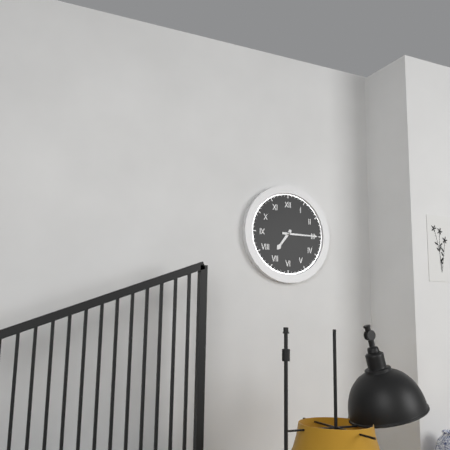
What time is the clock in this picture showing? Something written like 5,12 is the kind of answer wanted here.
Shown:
7,15
